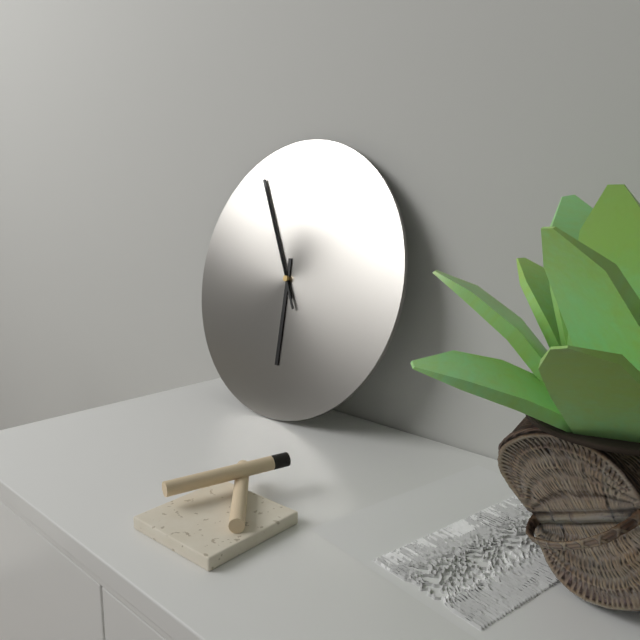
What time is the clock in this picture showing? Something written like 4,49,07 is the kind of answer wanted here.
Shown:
5,55,55
